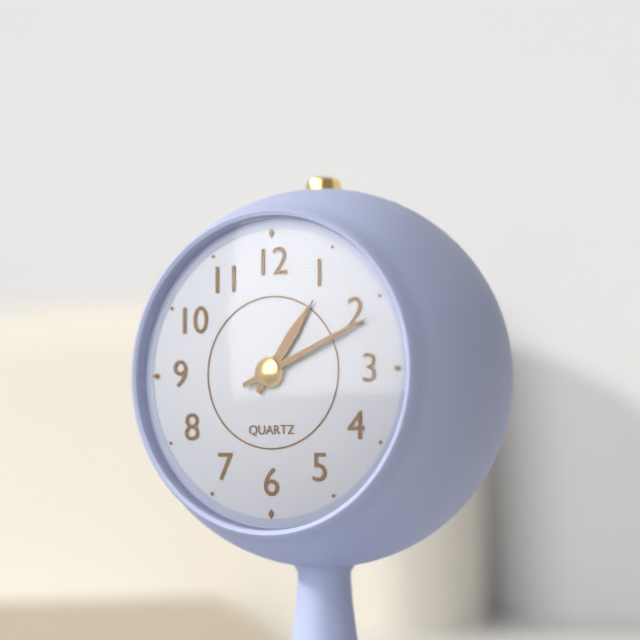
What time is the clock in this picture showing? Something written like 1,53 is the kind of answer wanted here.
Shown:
1,11
